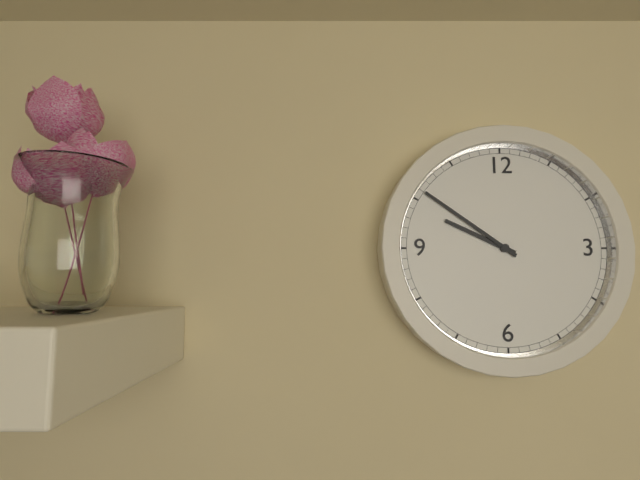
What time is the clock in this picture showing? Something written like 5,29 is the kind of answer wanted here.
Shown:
9,51
